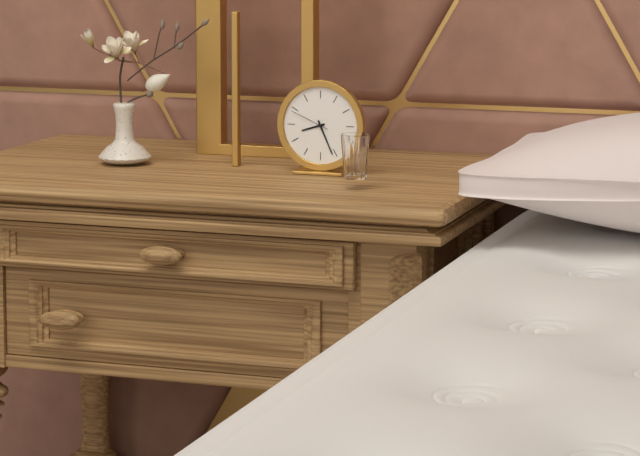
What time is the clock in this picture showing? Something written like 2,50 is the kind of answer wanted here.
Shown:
8,26
